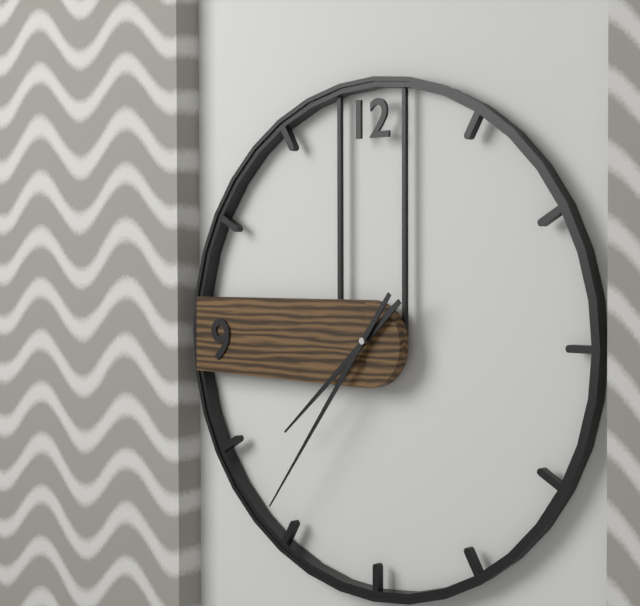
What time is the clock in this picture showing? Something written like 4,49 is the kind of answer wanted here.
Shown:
7,36
